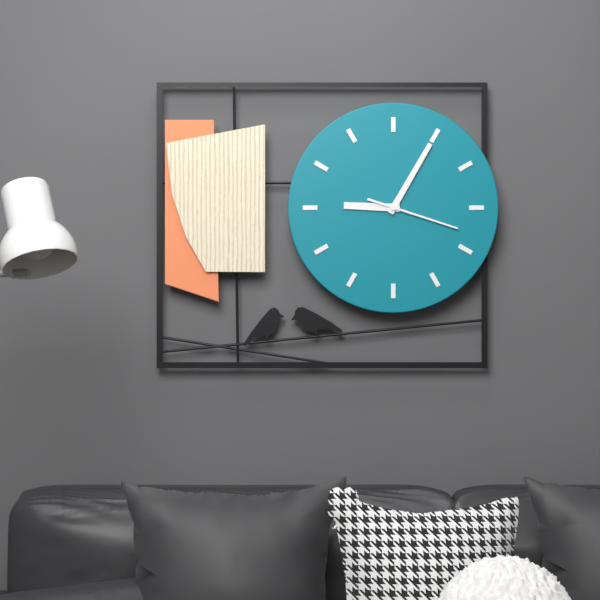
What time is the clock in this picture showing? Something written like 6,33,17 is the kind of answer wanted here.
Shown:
9,05,18
